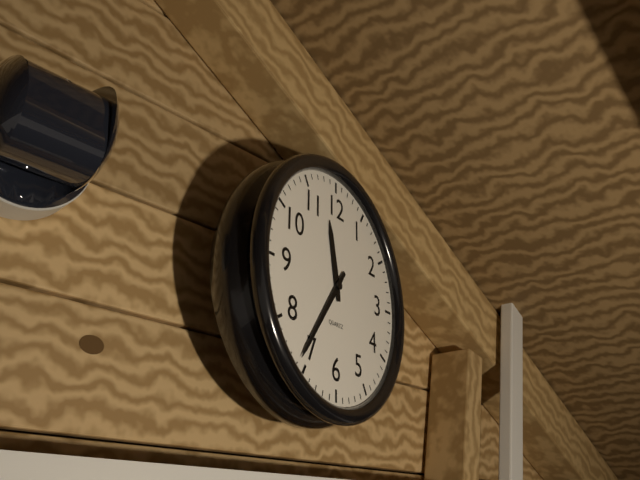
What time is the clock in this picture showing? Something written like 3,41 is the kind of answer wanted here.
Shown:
11,36
